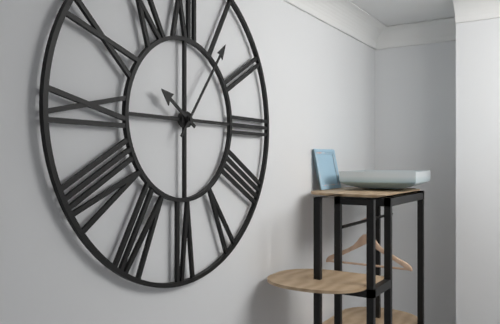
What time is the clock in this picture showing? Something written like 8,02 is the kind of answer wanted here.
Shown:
10,06
